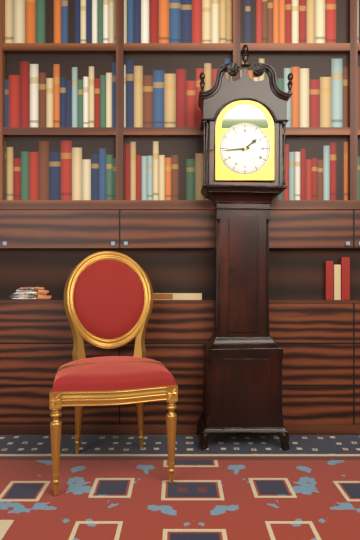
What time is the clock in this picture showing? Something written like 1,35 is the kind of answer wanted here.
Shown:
1,44
